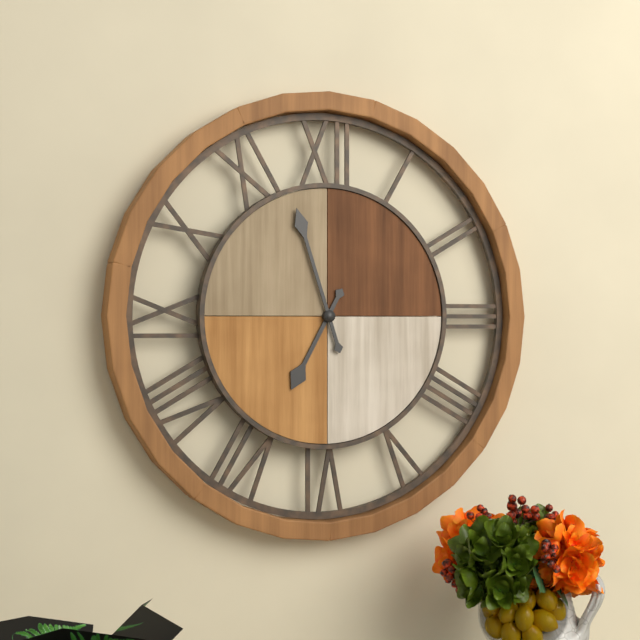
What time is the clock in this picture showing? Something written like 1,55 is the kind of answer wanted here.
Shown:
6,57
